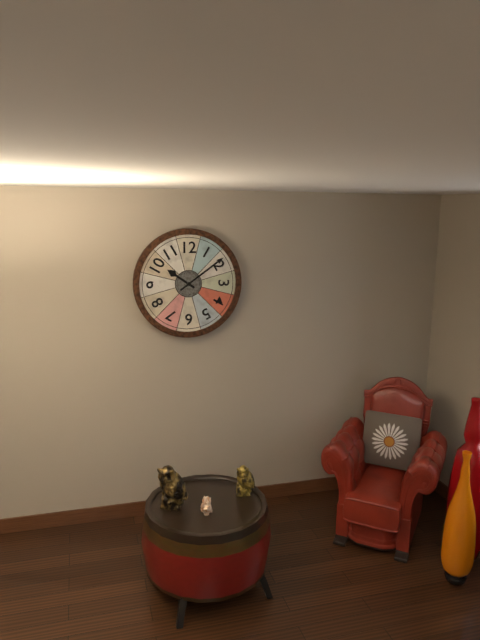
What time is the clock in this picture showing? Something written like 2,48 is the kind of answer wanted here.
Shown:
10,09
